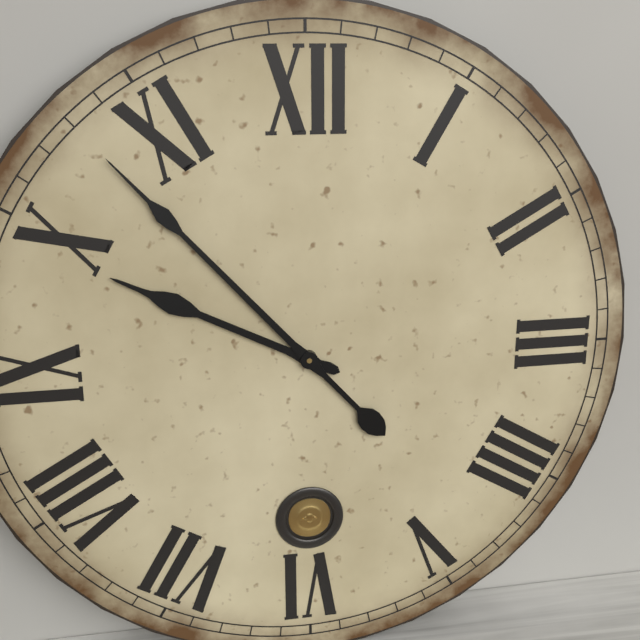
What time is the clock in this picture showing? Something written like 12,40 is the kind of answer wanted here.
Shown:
9,53
